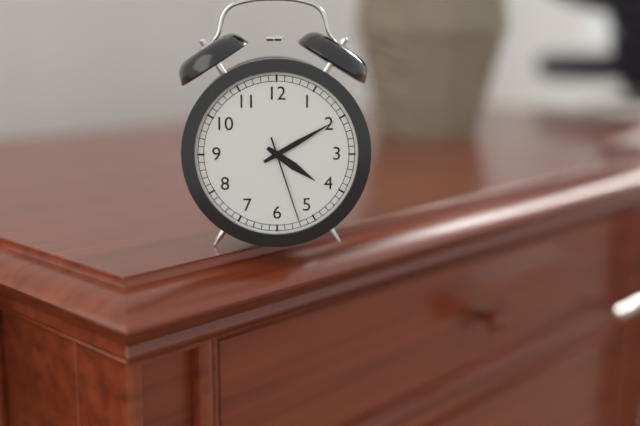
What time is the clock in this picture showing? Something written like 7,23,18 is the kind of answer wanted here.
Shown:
4,10,27
